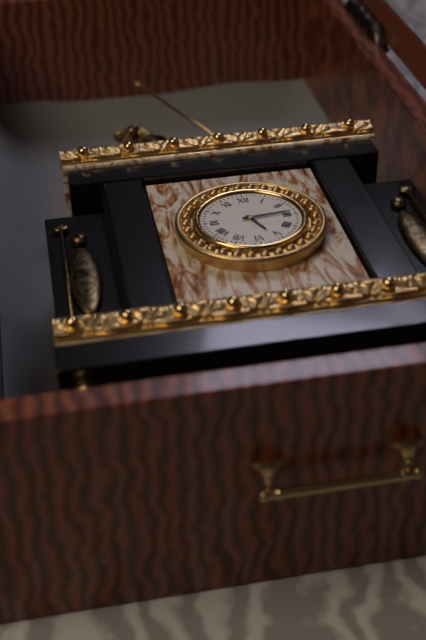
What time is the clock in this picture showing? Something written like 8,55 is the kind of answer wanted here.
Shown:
5,14
